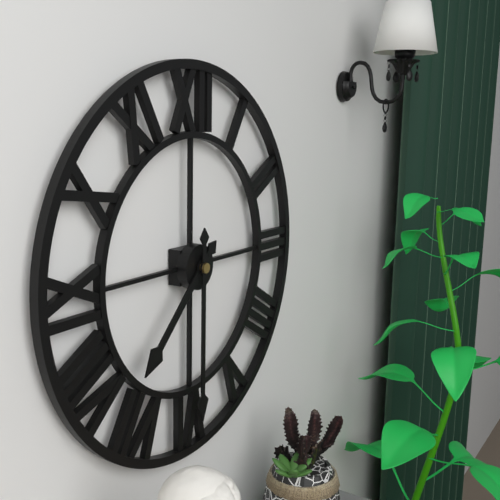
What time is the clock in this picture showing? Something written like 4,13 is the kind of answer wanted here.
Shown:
7,30
